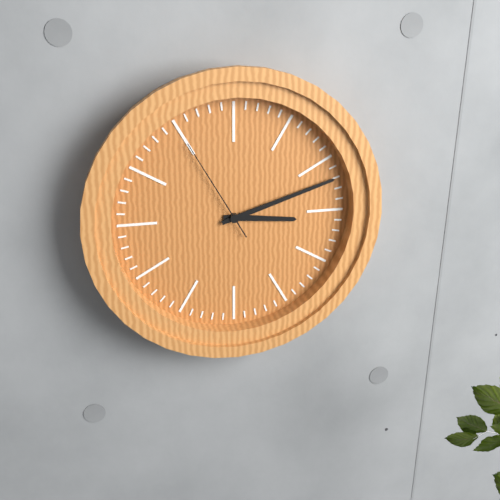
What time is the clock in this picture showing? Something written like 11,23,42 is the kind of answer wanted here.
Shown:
3,12,55
